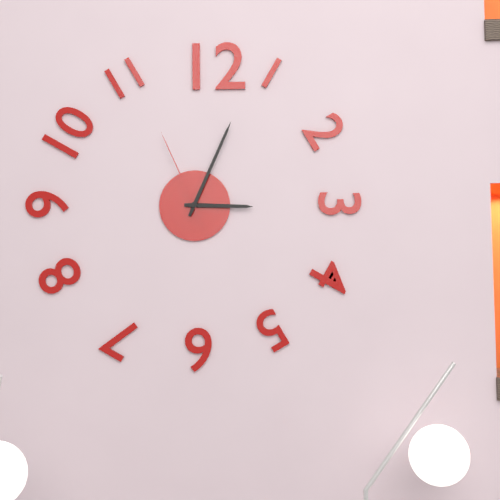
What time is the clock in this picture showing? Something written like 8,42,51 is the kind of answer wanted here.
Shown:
3,04,56
